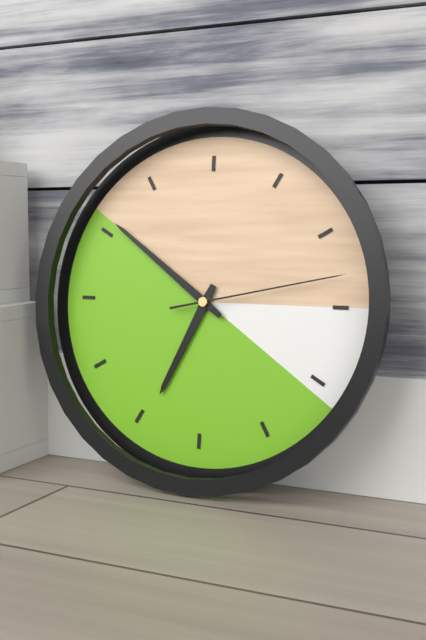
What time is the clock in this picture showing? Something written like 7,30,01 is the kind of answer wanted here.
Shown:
6,51,13
